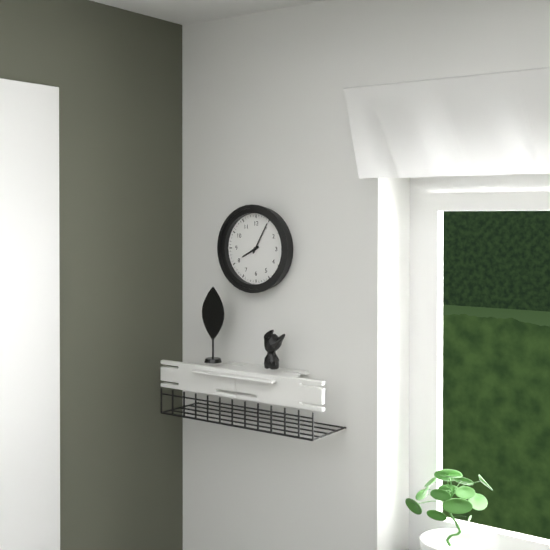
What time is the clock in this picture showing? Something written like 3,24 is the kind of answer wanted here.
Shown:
8,05
